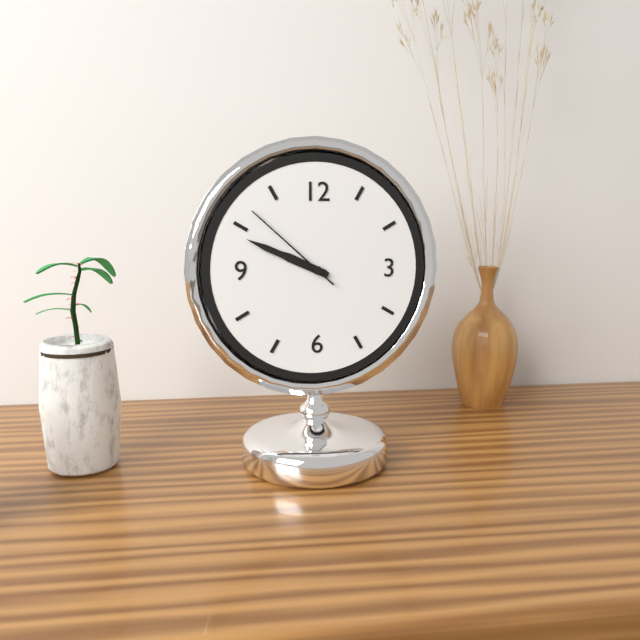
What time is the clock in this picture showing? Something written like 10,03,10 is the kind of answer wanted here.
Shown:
9,49,52
